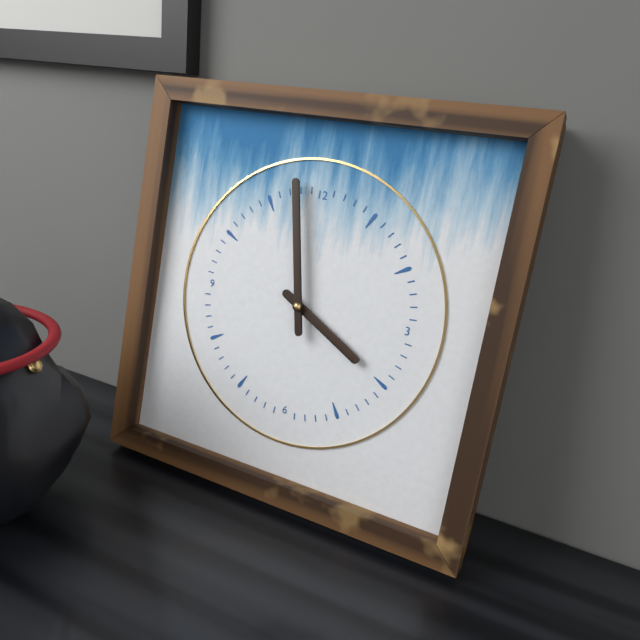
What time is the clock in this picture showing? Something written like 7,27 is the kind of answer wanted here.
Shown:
3,58
